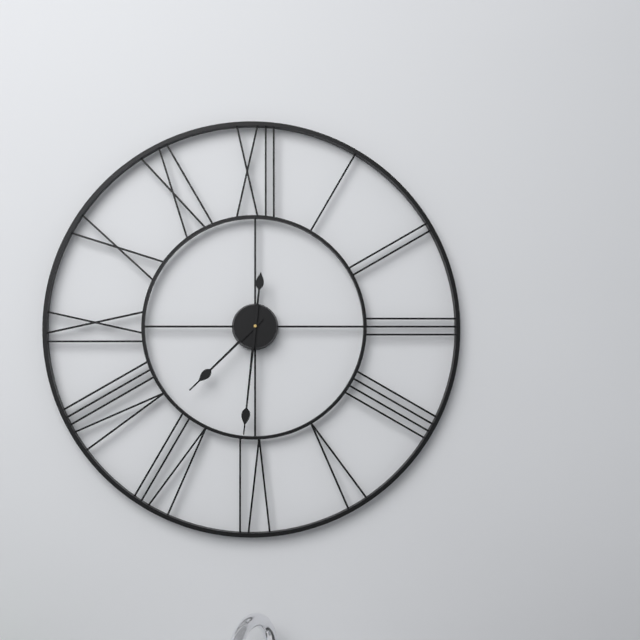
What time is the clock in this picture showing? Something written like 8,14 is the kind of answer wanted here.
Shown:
7,31
